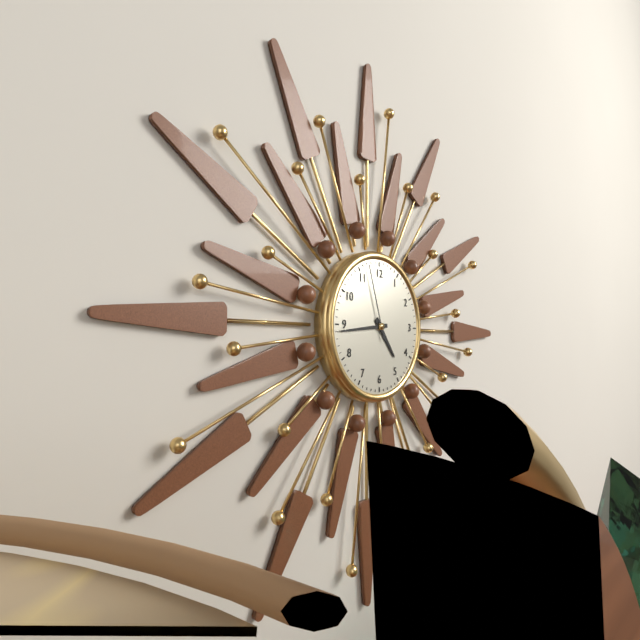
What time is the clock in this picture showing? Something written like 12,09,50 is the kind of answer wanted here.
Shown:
4,44,57
